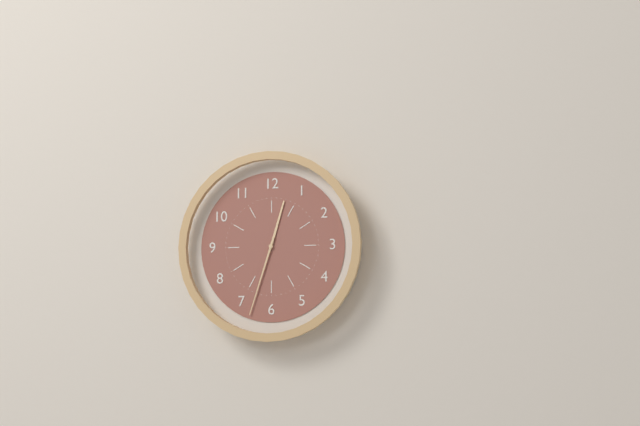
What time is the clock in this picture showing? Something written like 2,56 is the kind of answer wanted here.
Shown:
12,33
